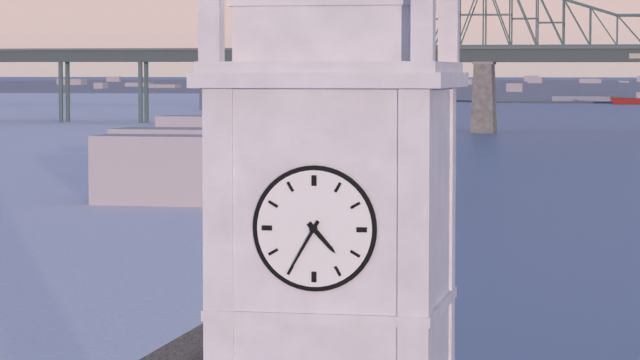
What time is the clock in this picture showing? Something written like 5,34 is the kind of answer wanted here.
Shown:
4,35
